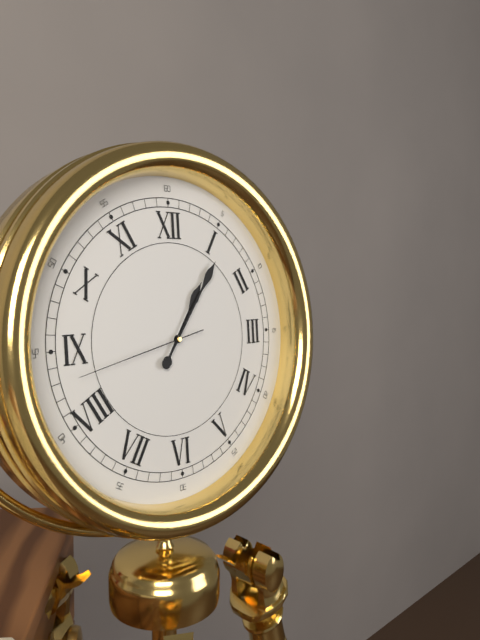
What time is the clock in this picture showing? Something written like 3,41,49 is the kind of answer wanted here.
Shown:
1,06,43
